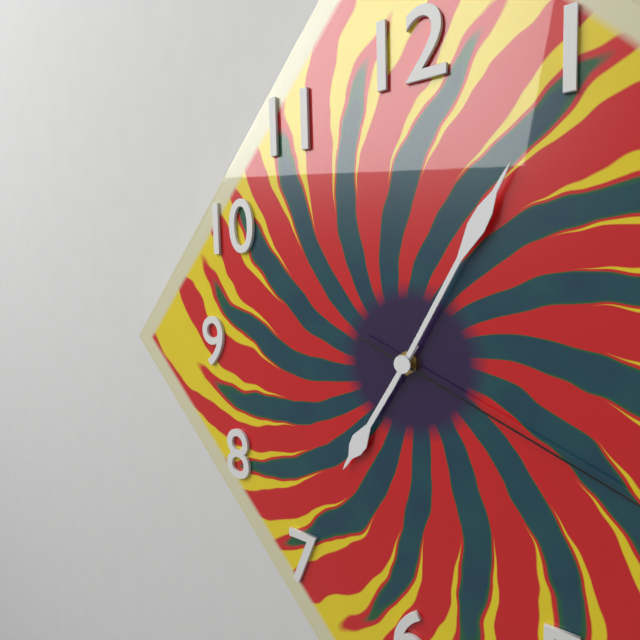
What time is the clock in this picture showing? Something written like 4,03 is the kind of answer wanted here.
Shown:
7,05
